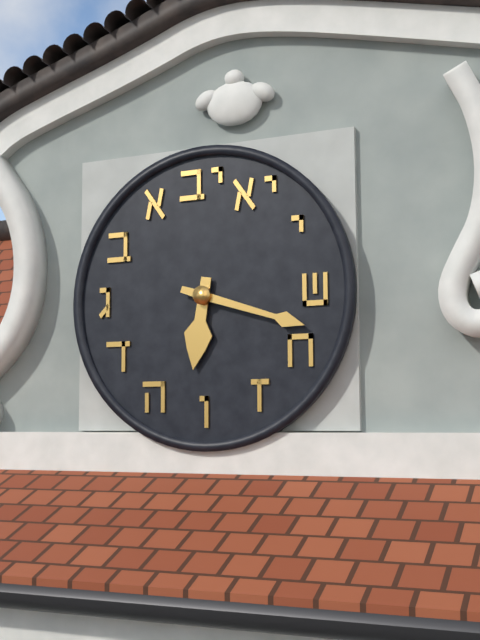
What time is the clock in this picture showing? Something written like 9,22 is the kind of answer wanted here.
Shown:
6,18
